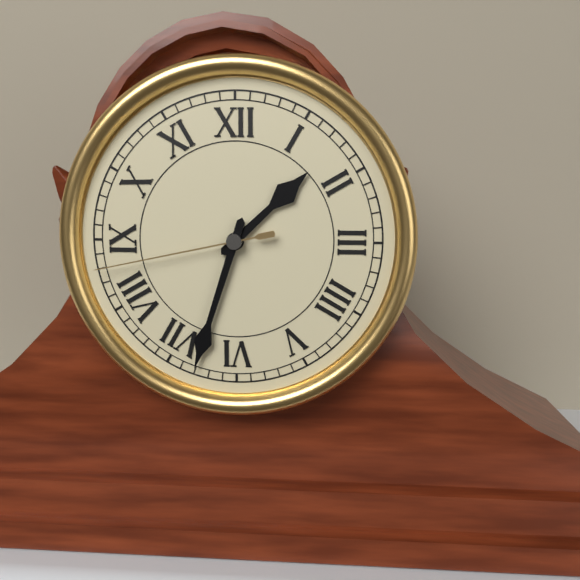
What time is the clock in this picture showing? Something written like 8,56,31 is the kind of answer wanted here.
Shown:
1,33,43
